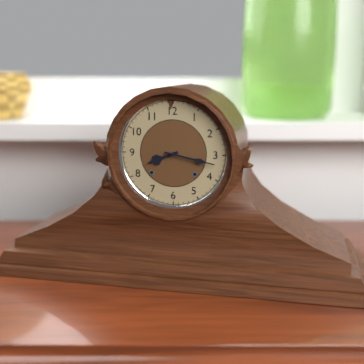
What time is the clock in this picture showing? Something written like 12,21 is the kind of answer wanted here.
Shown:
8,17
